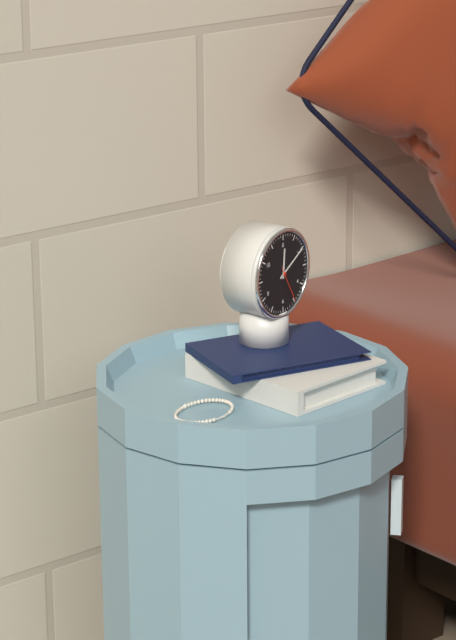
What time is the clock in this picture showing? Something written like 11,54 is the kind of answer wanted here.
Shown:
12,10
